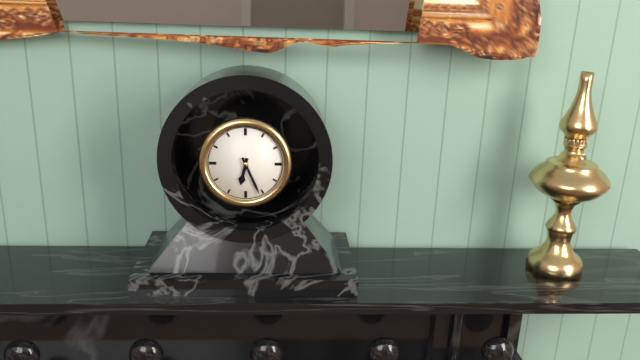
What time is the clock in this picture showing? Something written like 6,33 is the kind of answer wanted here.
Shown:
6,26
